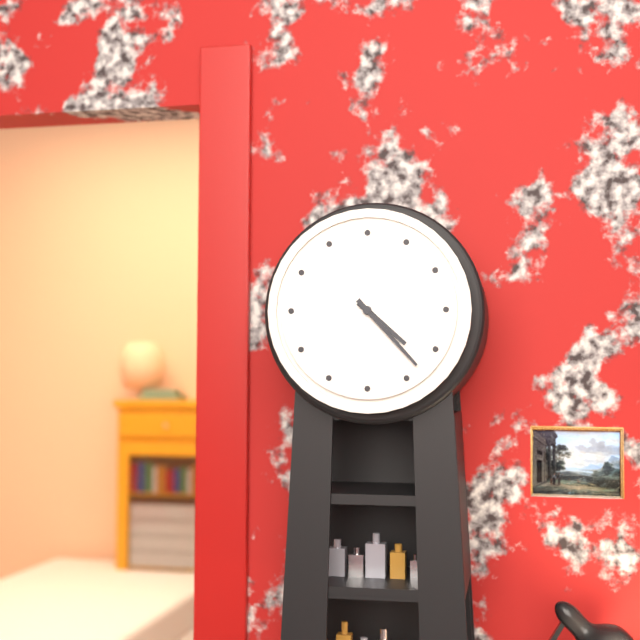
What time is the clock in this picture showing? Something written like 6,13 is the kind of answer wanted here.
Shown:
4,23
